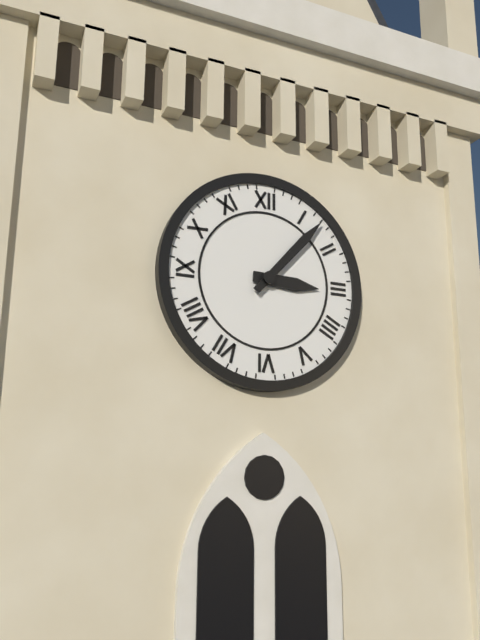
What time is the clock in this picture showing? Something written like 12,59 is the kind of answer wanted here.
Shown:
3,07
